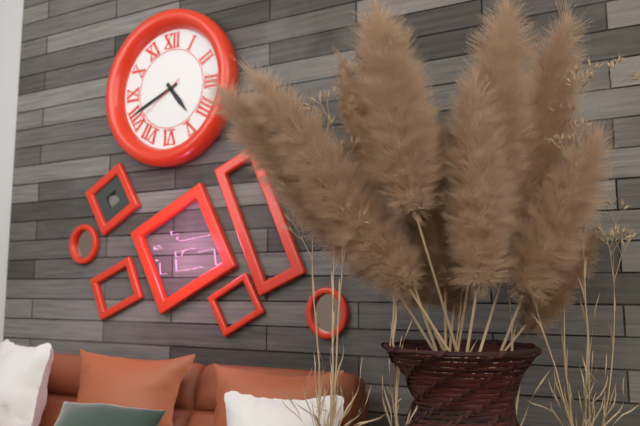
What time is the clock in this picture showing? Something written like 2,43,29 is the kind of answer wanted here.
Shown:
4,41,39
